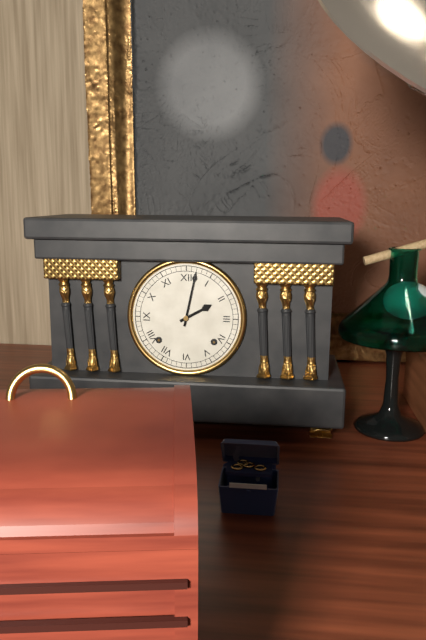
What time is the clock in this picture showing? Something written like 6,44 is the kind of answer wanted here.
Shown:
2,02
